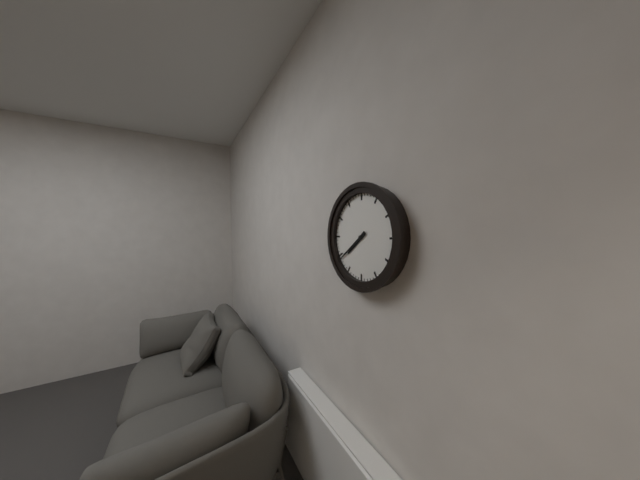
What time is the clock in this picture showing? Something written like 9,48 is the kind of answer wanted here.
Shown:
7,39
